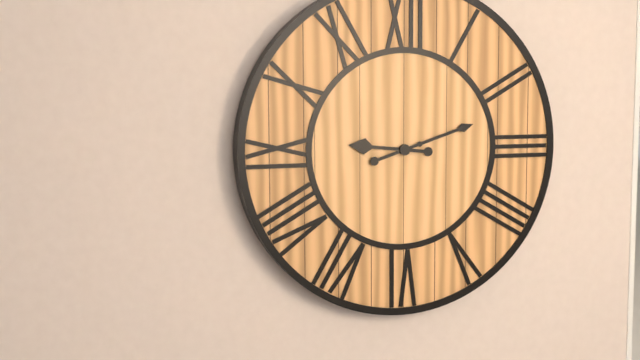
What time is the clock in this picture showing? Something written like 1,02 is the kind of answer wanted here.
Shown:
9,12
